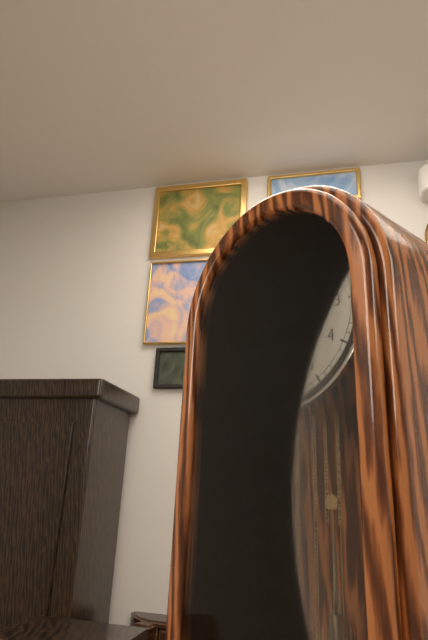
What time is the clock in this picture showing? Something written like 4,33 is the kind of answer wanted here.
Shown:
8,26
